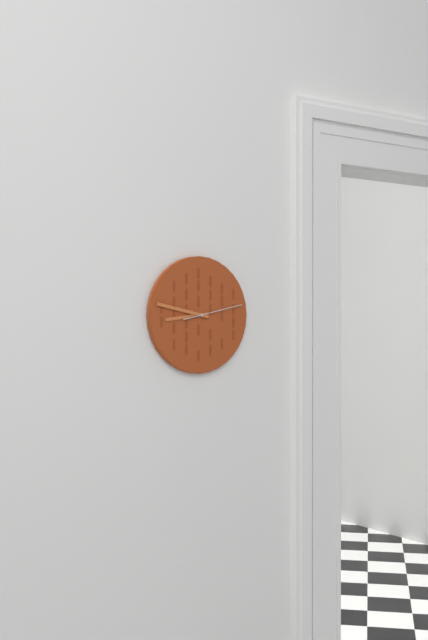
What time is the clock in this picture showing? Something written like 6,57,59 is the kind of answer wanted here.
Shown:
8,47,13
